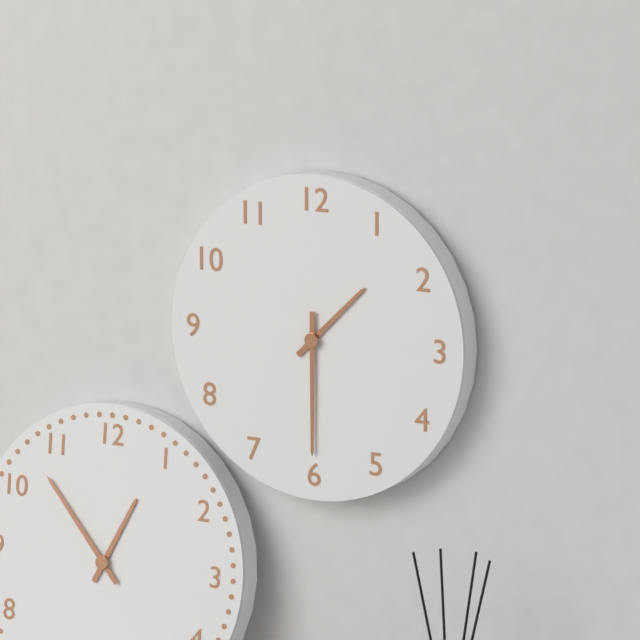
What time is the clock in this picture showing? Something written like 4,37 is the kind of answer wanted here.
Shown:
1,30
